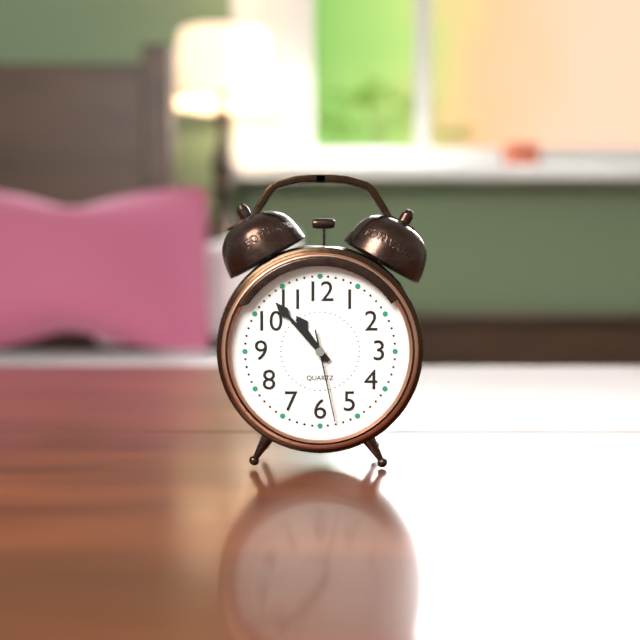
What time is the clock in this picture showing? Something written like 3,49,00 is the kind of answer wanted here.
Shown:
10,53,28
